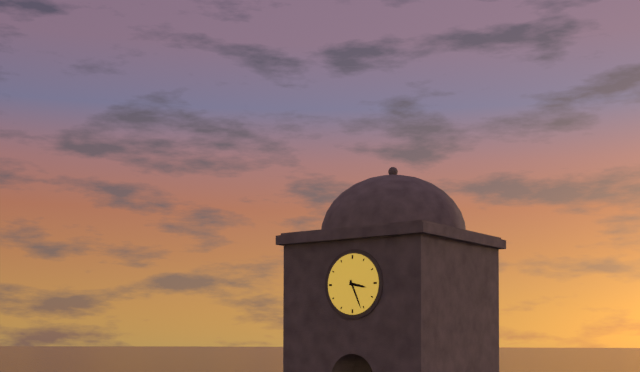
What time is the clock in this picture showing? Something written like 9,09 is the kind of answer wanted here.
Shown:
3,26
